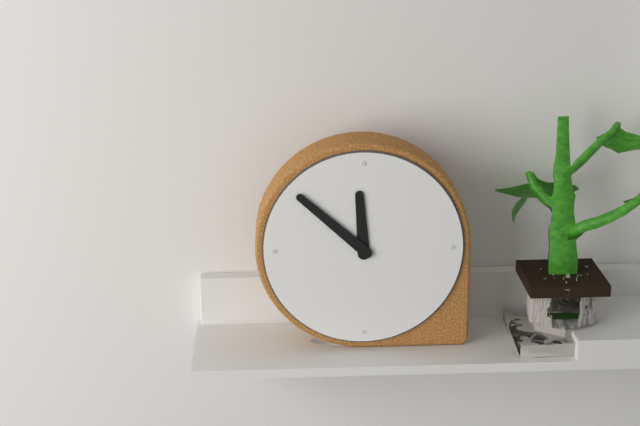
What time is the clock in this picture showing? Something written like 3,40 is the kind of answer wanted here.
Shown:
11,52
